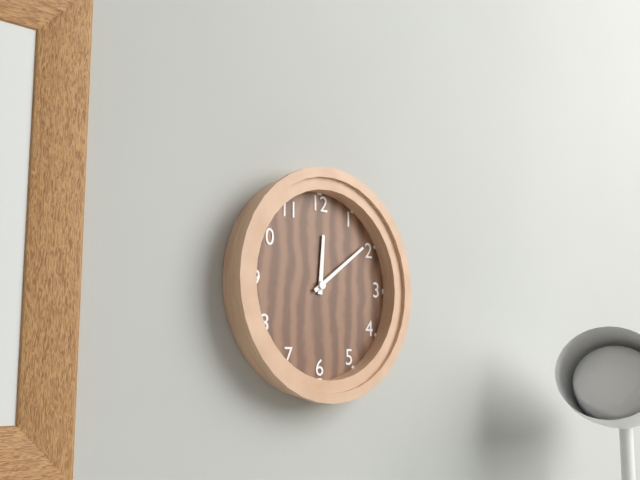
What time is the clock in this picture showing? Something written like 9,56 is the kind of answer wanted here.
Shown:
12,09
